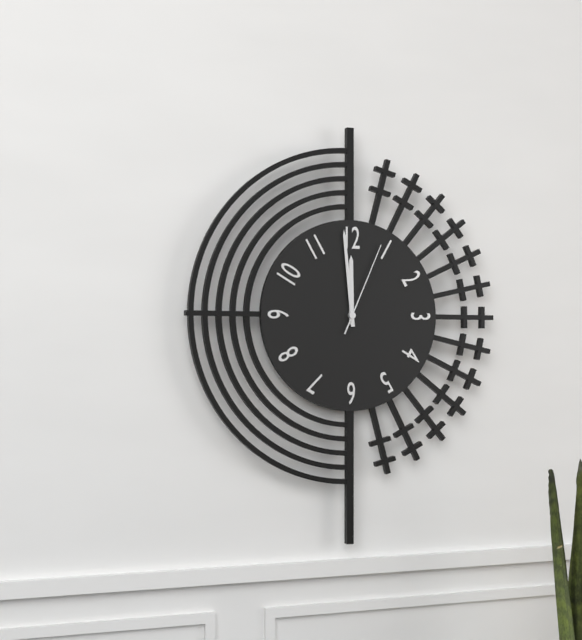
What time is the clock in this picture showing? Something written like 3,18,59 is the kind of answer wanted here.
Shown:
11,59,04
